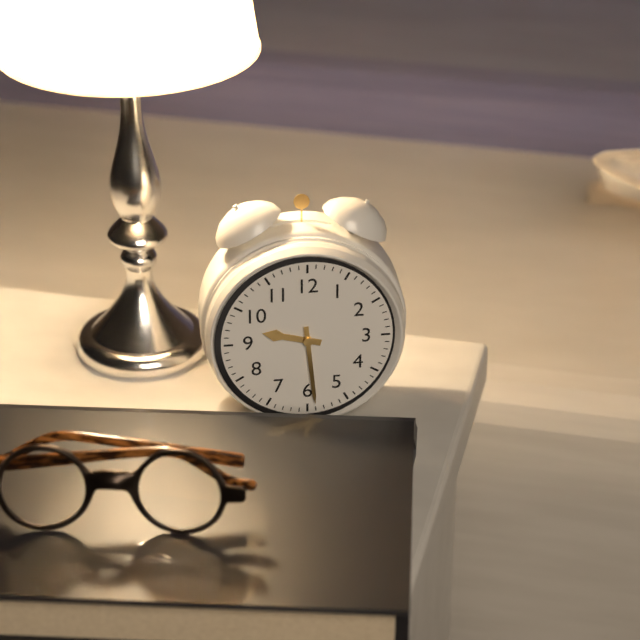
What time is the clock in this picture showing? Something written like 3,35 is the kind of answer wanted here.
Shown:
9,29
